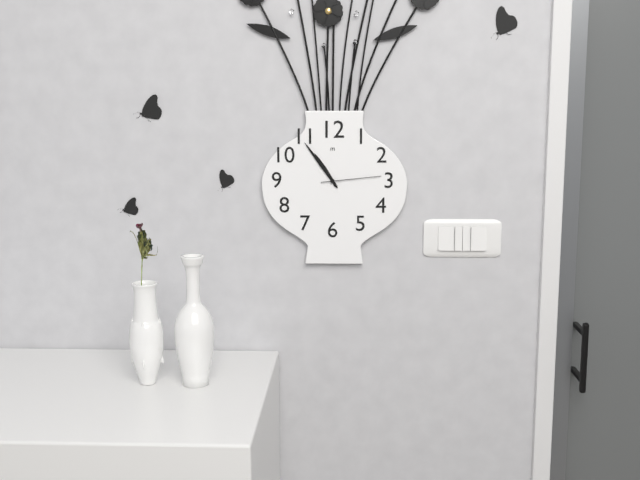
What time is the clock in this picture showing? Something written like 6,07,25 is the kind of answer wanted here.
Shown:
10,54,14
